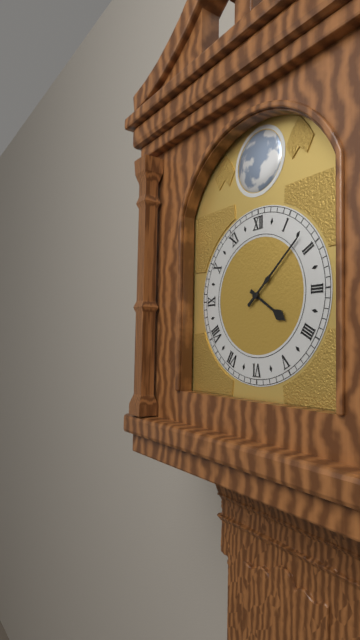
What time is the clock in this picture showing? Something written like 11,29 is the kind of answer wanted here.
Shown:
4,08
